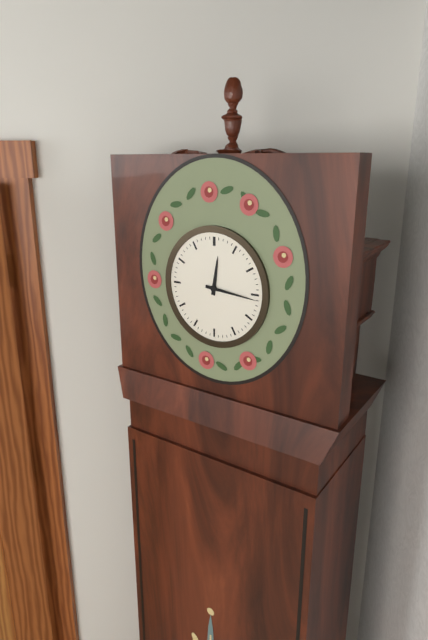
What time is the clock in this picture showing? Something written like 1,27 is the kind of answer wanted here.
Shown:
12,16
